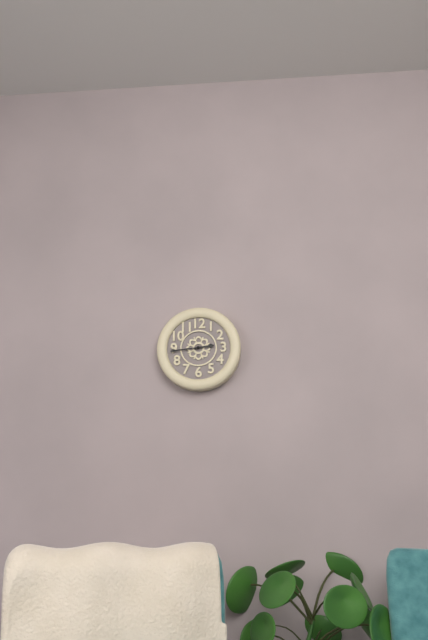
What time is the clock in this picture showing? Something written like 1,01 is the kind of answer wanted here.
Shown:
2,44
